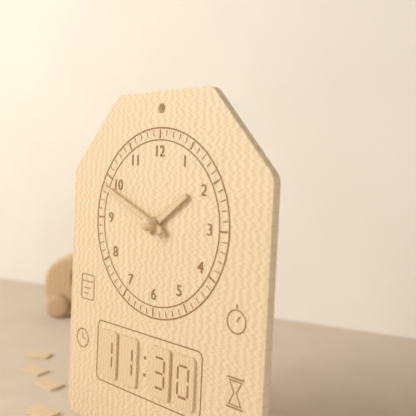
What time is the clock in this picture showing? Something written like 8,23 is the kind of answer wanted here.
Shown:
1,49
